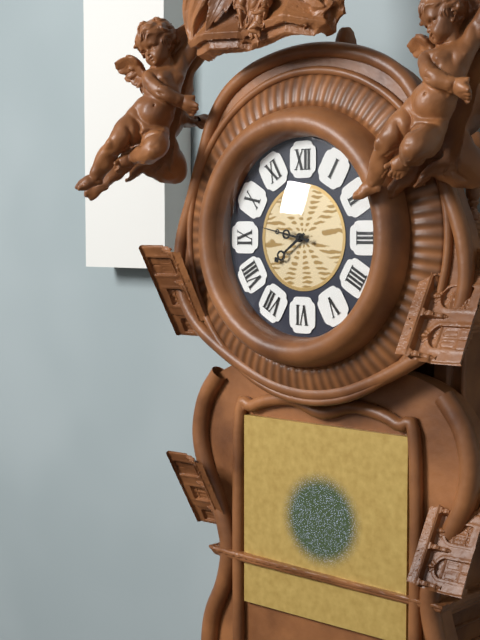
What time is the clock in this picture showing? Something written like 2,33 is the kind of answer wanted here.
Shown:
7,47
